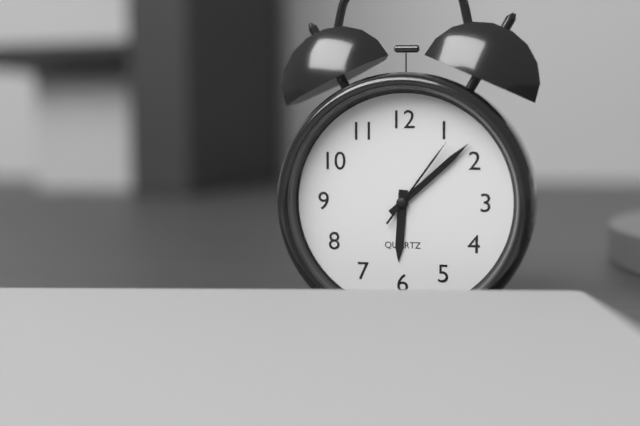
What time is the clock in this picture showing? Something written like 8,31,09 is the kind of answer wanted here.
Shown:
6,08,06
